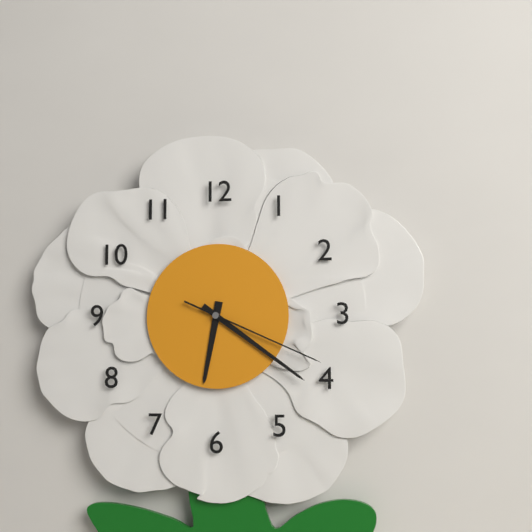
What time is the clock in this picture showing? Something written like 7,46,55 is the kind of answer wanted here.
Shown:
6,21,19
